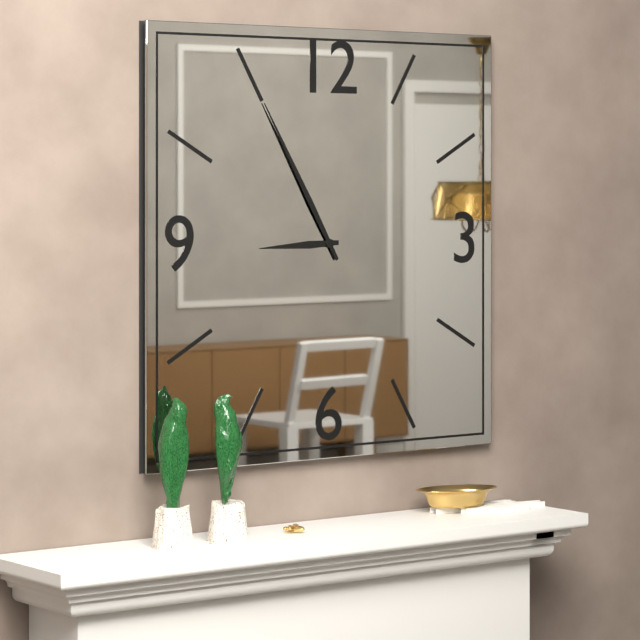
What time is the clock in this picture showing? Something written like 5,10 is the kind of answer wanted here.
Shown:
8,55
